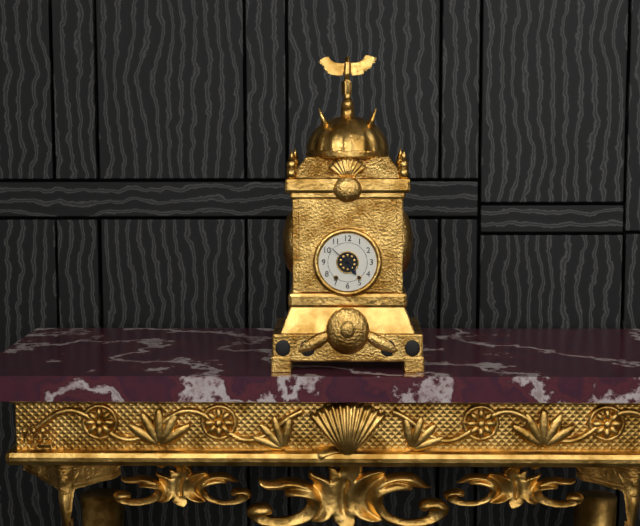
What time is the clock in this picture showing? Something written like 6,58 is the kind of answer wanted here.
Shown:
4,52
